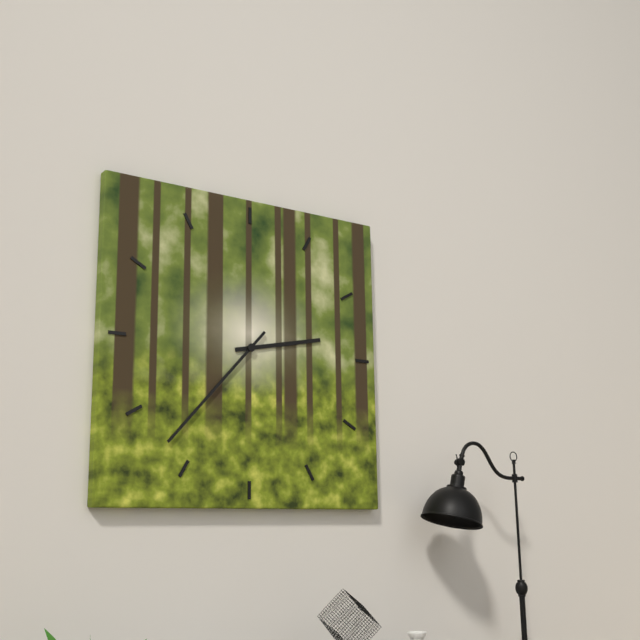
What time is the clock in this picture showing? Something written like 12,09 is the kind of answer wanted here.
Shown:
2,37
